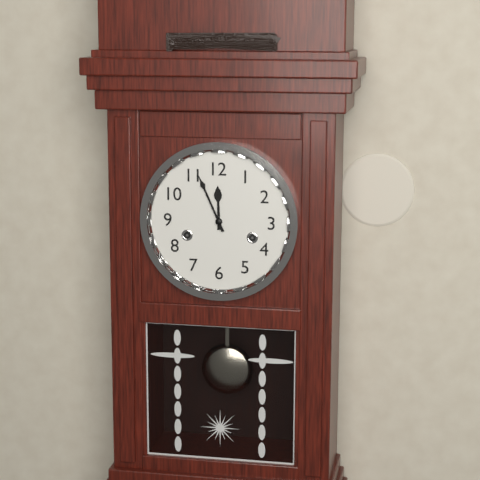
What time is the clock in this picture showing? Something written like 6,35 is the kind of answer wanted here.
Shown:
11,56
